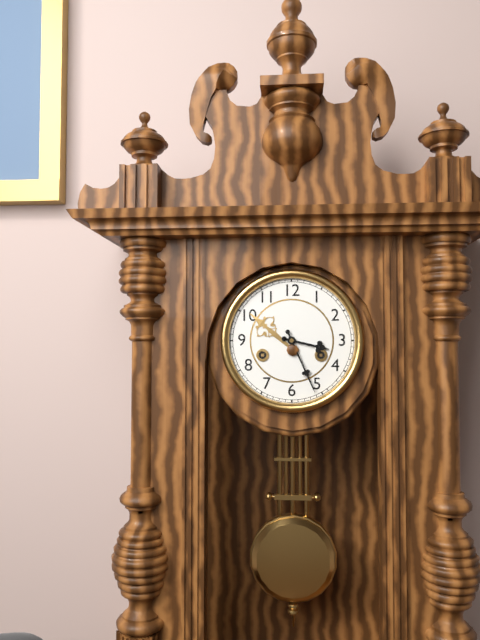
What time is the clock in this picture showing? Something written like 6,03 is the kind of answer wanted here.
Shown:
3,26
